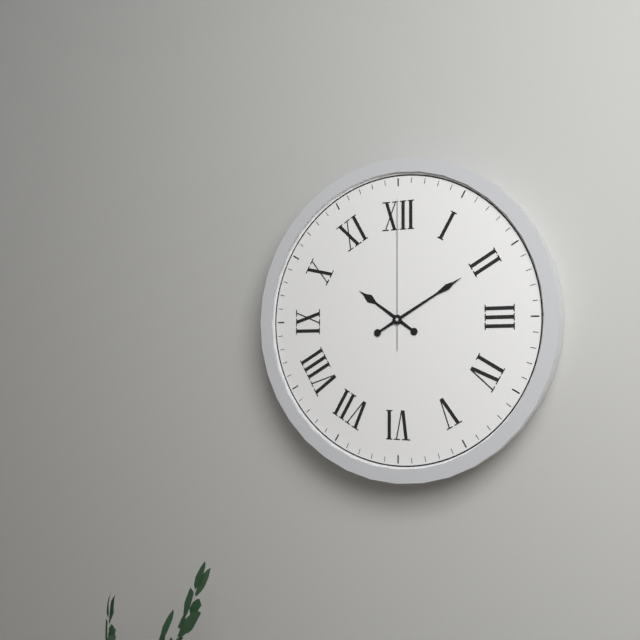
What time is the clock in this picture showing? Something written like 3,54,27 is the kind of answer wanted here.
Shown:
10,10,00
